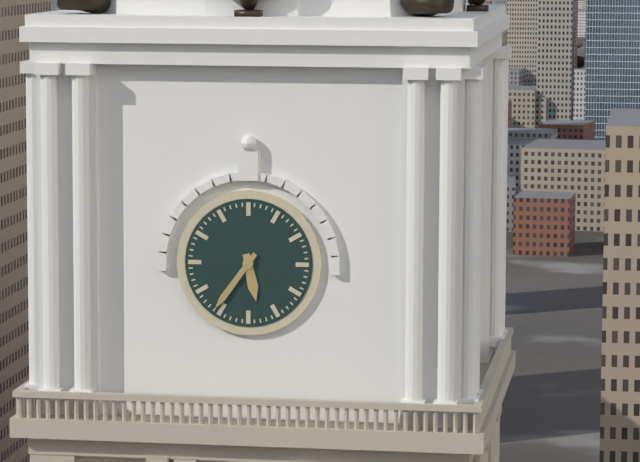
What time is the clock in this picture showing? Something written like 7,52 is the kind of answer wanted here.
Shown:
5,36
